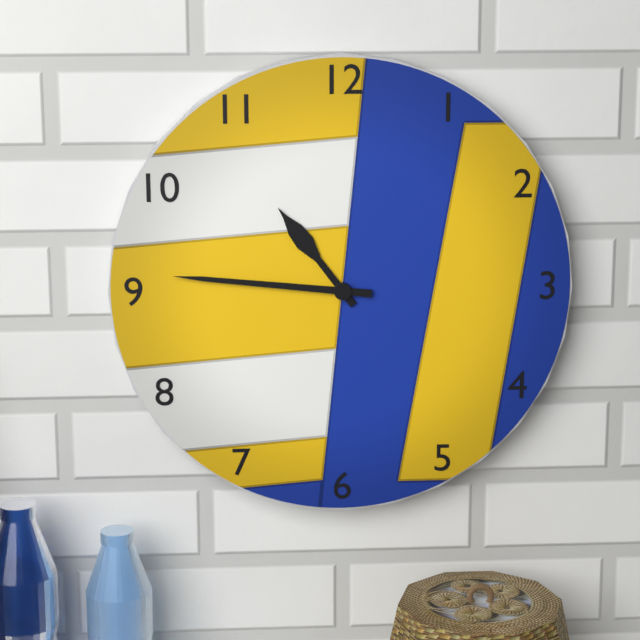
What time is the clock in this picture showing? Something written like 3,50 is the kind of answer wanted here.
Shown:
10,46
